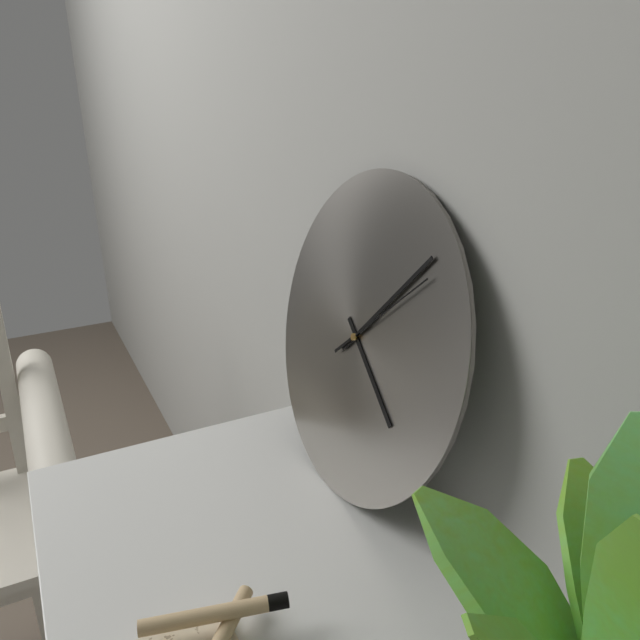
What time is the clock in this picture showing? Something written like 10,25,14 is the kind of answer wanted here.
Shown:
4,07,08
